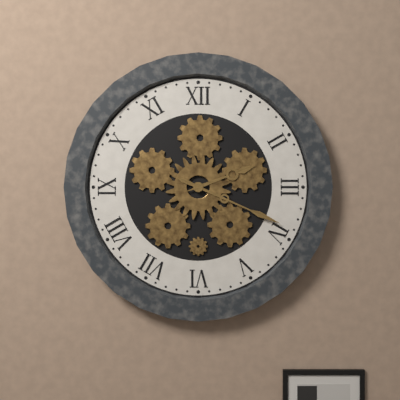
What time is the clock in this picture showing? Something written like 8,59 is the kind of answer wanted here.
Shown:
2,19
